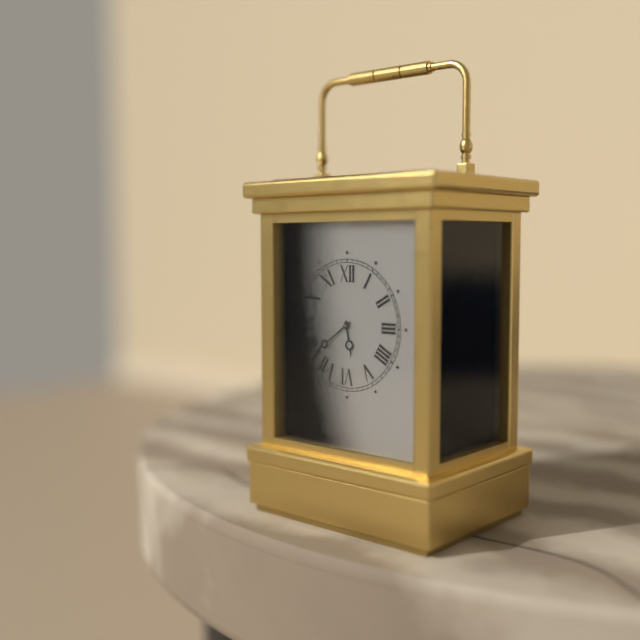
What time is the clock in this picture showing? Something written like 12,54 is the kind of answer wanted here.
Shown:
5,39
